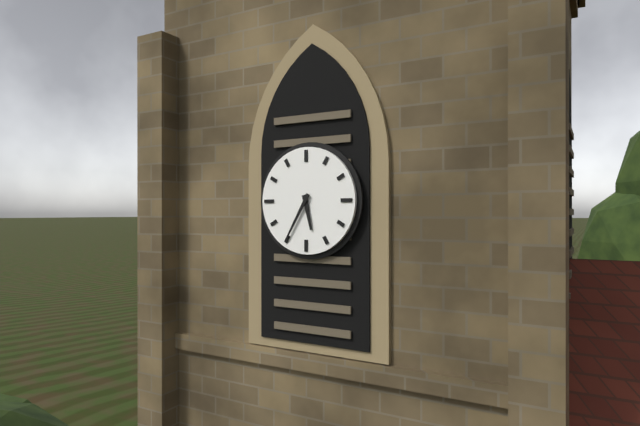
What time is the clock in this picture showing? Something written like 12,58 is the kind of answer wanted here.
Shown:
5,35
